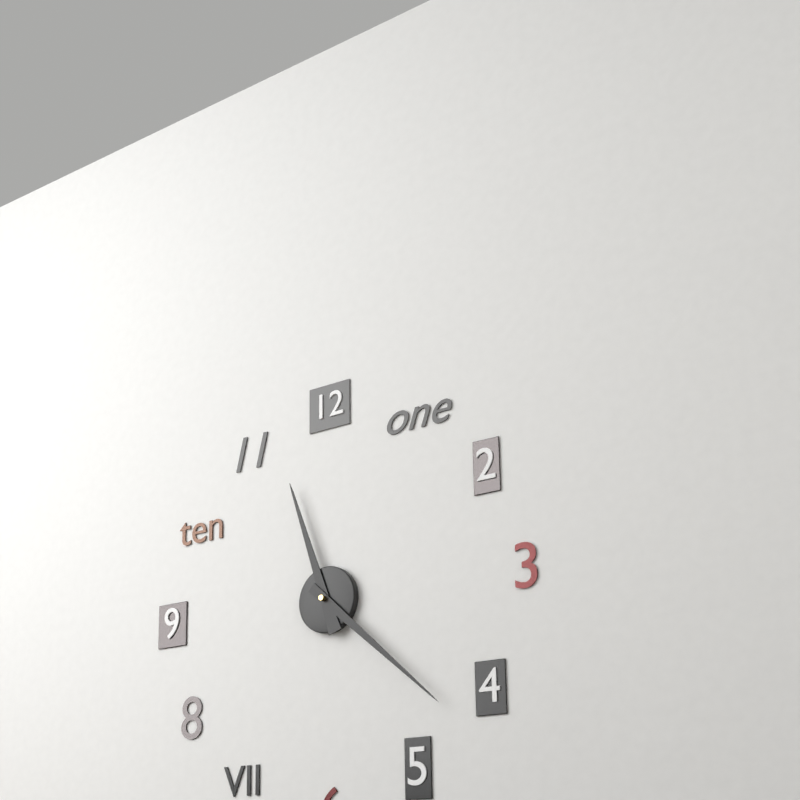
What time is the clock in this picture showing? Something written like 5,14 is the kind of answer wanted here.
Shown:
11,22
